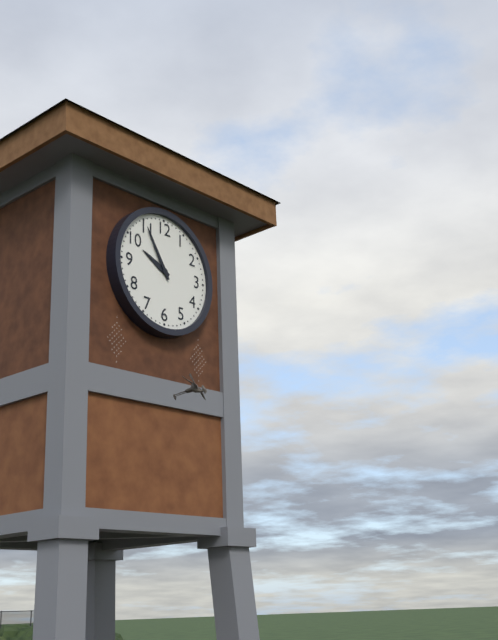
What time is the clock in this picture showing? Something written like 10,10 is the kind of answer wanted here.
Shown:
9,55
